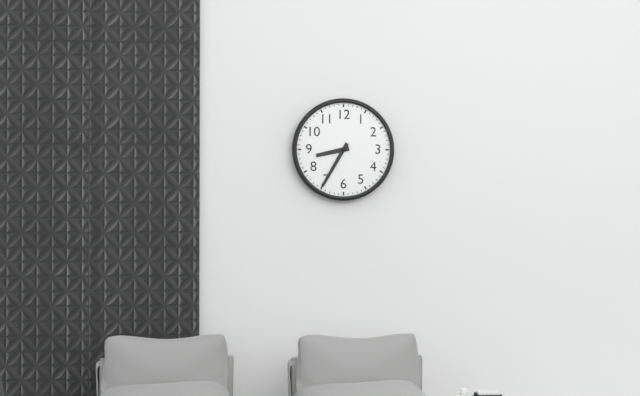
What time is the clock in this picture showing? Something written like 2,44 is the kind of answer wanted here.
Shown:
8,35
